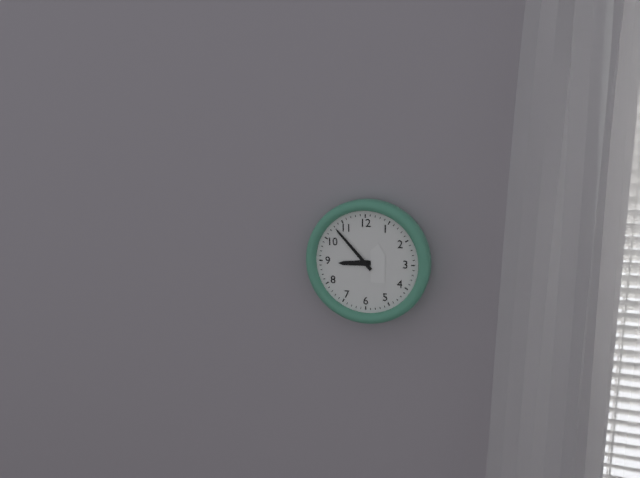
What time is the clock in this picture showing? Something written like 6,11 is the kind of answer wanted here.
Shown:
8,53
